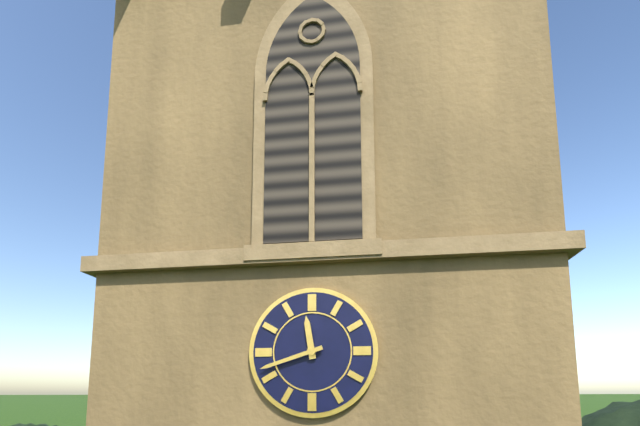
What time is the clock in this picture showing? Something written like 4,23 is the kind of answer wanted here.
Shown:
11,42
